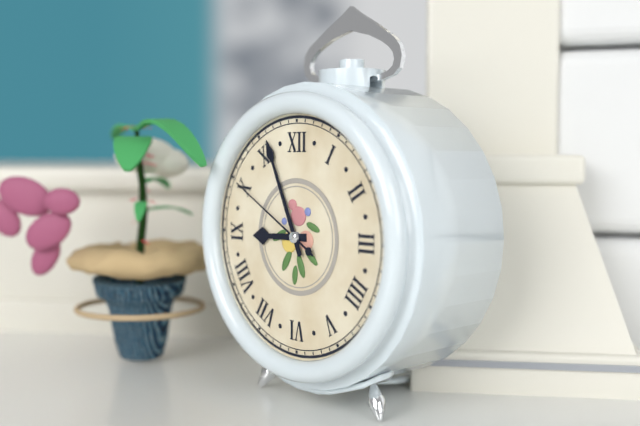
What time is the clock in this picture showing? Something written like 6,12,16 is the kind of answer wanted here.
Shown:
8,56,50
